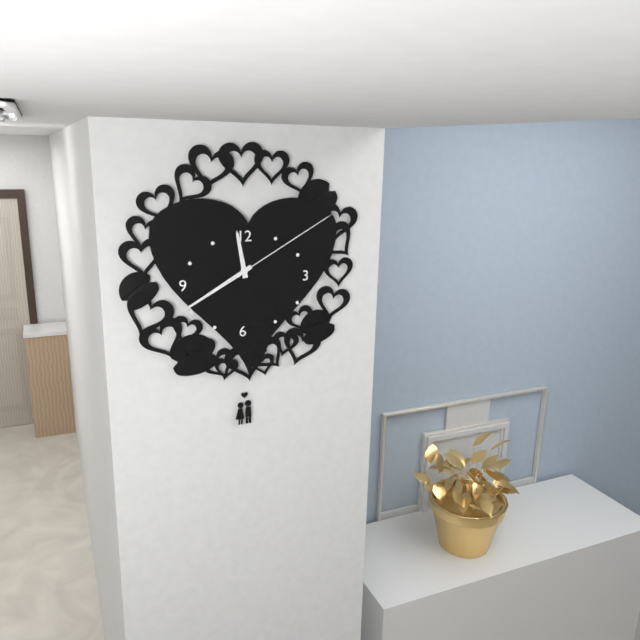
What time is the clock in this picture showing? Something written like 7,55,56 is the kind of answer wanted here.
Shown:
11,40,10
